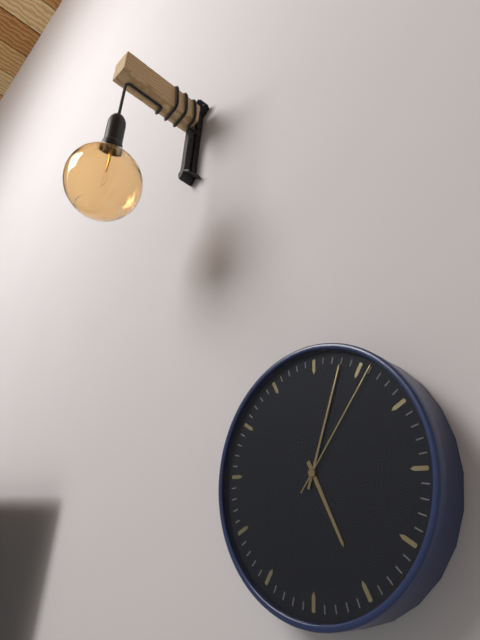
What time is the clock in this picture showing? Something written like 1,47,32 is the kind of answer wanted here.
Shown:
5,03,06
